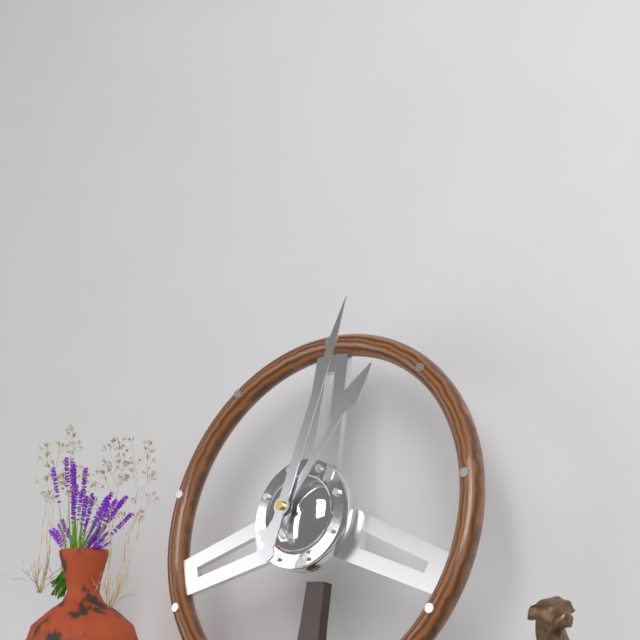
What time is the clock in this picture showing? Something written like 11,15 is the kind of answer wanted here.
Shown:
1,02
